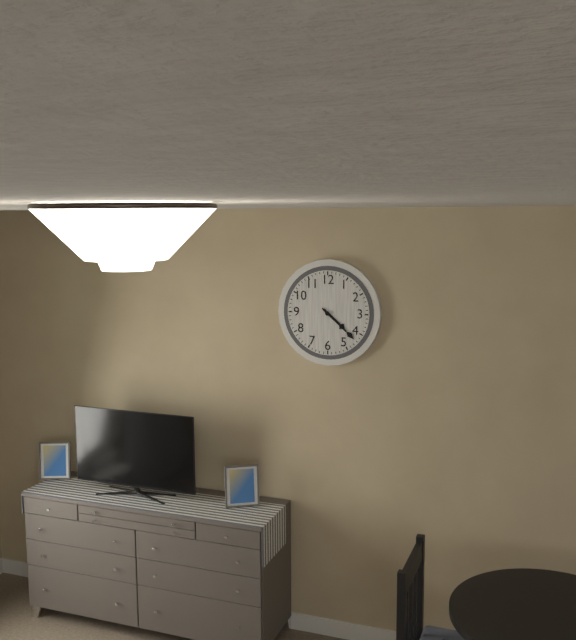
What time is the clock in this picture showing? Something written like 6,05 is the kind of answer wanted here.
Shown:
4,22
